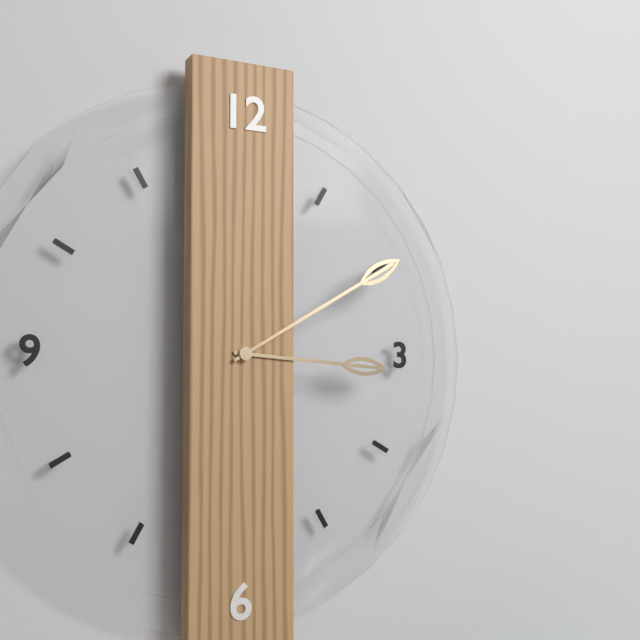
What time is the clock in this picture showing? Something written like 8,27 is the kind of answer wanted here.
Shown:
3,10
